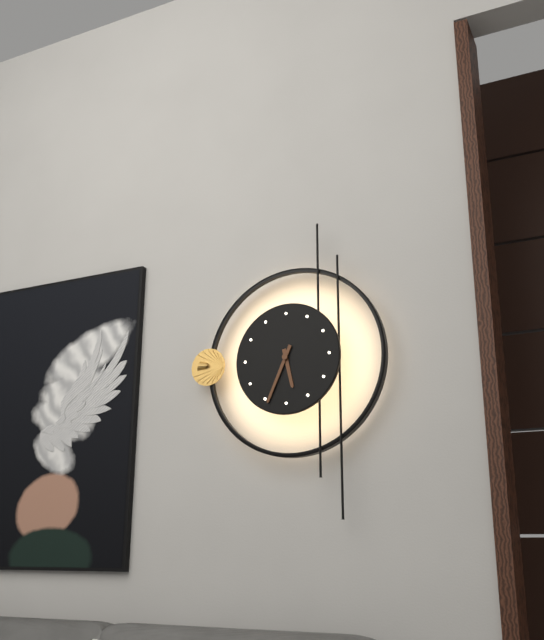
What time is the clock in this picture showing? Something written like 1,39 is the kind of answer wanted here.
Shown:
5,34
